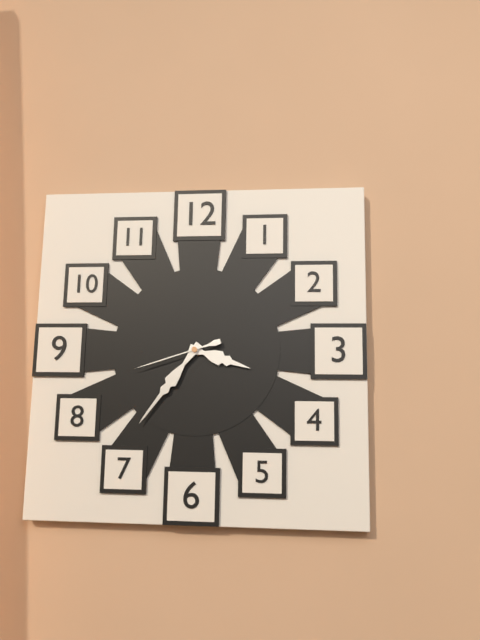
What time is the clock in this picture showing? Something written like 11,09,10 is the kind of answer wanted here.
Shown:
3,36,42
